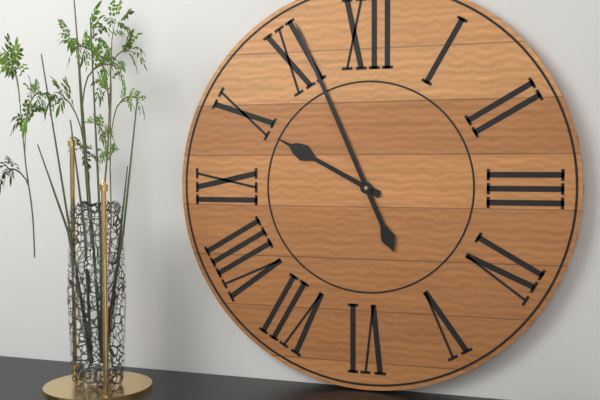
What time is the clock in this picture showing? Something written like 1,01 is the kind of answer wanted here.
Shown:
9,56
